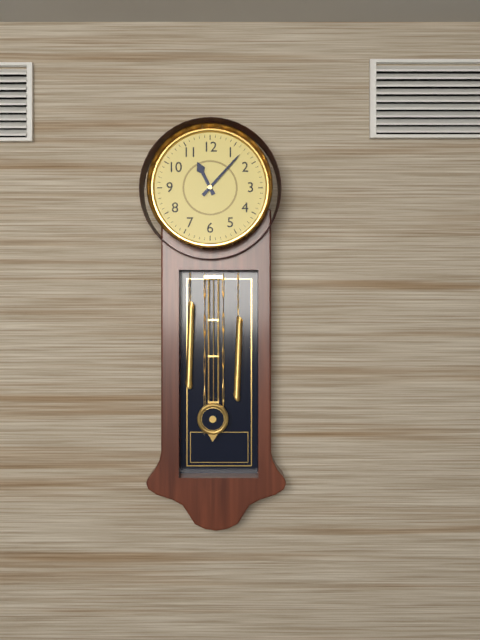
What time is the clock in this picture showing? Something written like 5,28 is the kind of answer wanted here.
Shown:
11,07
